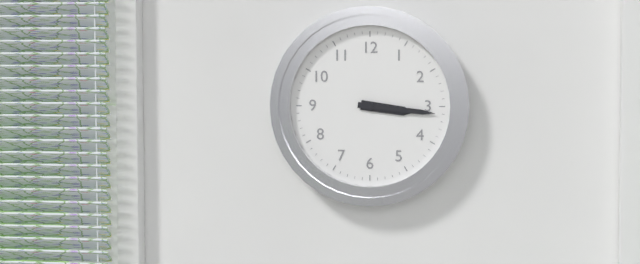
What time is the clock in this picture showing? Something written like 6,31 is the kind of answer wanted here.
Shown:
3,16
